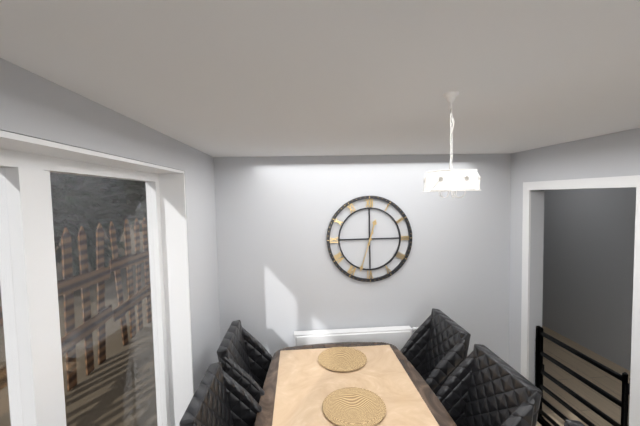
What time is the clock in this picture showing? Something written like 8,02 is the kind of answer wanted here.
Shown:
12,33
